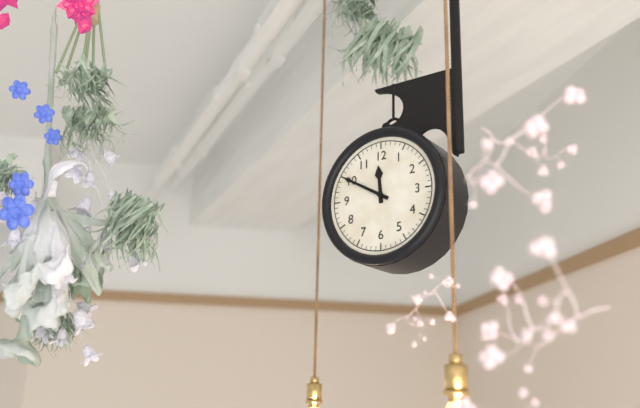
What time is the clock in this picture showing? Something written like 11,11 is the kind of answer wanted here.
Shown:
11,50
